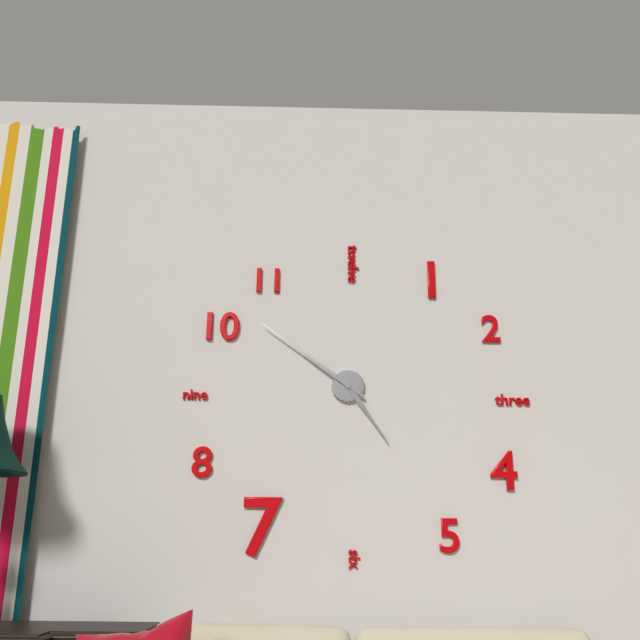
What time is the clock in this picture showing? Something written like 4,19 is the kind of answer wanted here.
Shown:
4,51
